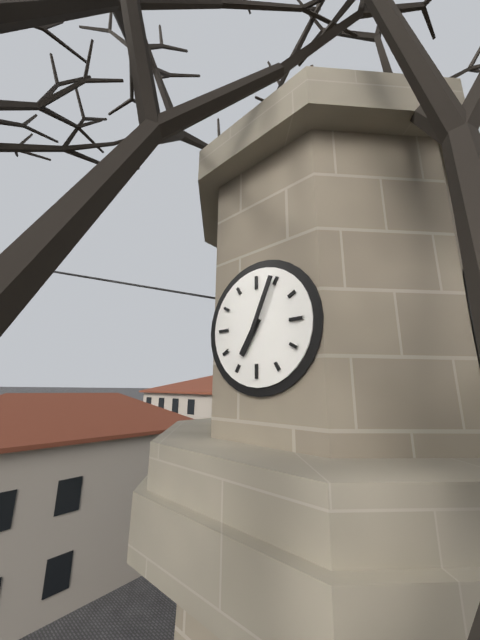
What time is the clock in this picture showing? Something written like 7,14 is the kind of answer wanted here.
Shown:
7,04
